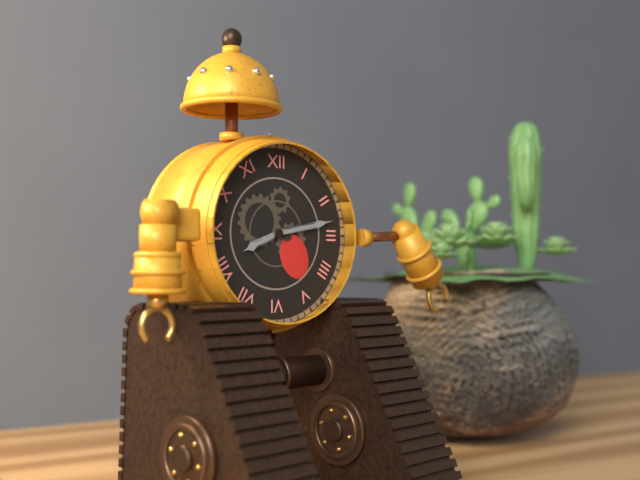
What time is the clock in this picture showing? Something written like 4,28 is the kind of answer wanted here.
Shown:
8,13
